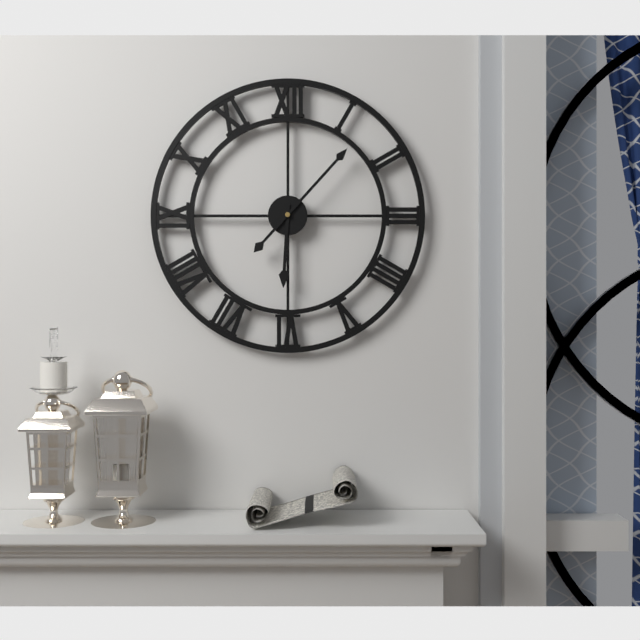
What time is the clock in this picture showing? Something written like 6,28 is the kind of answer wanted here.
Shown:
6,07
